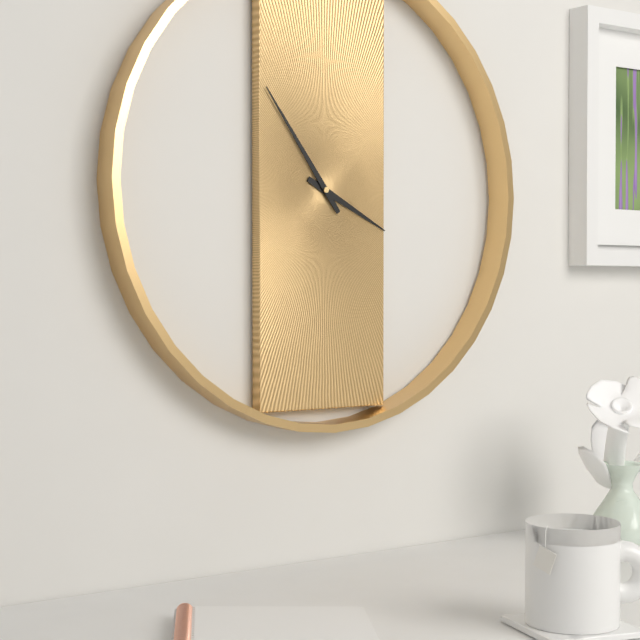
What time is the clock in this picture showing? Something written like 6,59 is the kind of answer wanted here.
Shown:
3,54
